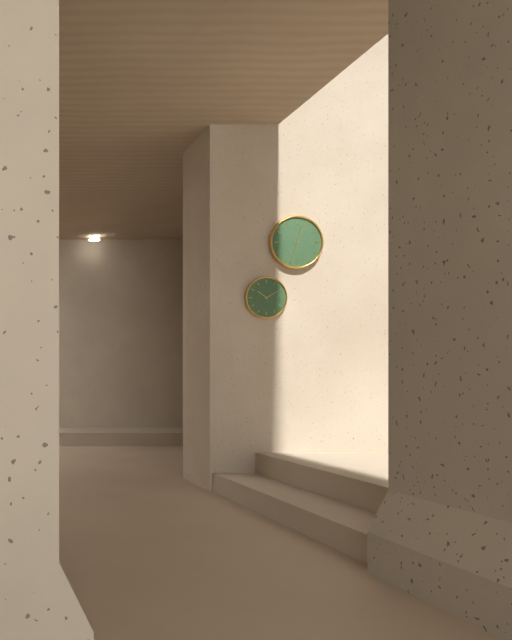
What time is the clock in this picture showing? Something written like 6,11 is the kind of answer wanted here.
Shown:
12,33
